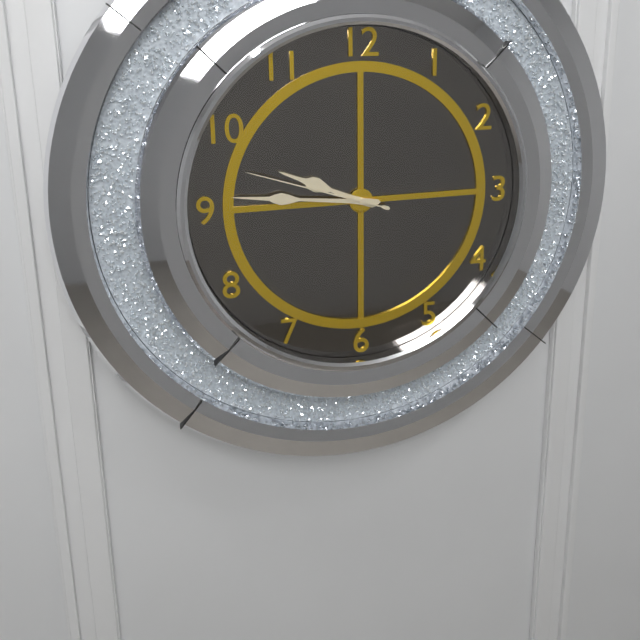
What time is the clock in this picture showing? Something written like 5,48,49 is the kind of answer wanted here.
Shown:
9,46,48
